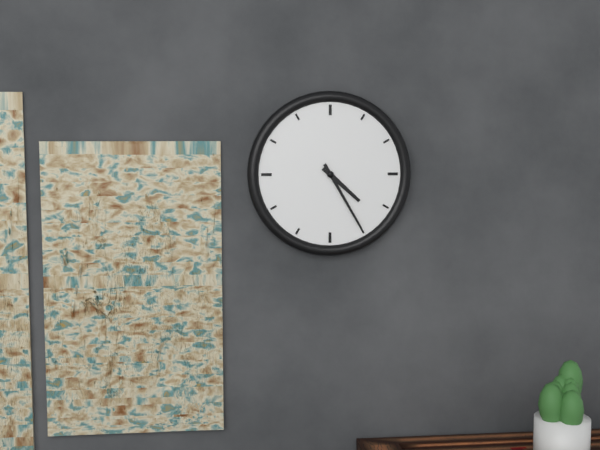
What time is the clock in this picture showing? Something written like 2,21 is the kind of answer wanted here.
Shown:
4,25
